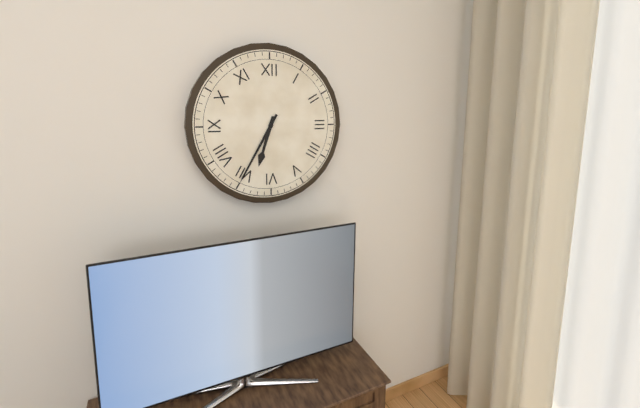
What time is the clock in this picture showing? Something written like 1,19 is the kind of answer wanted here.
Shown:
6,35
